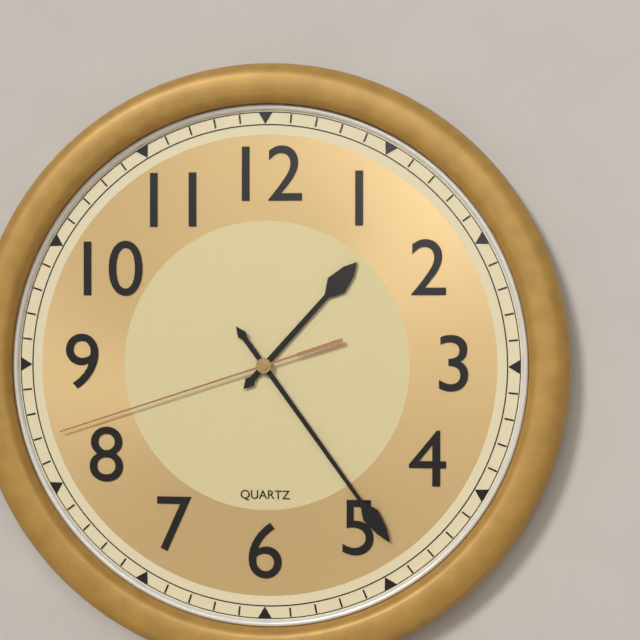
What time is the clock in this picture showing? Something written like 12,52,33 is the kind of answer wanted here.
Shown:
1,24,42
